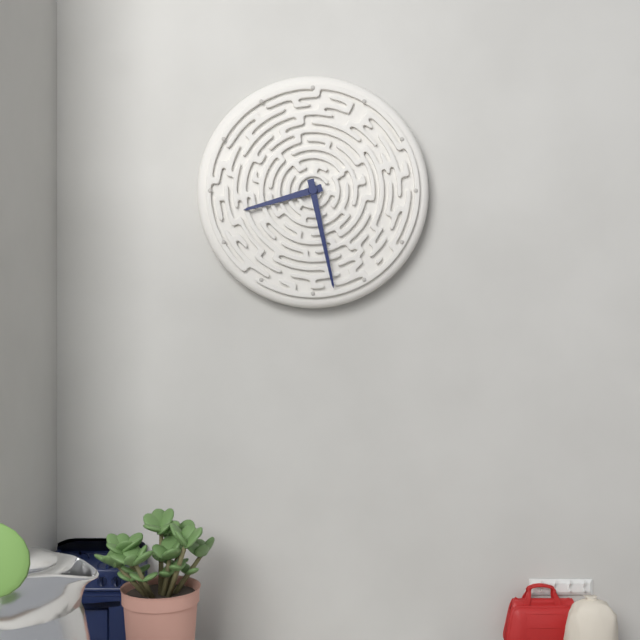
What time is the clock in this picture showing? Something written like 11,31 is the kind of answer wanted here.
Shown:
8,28
